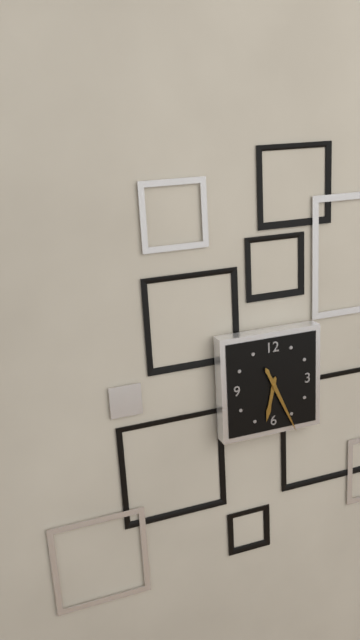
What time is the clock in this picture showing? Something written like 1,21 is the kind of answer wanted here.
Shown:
6,26
